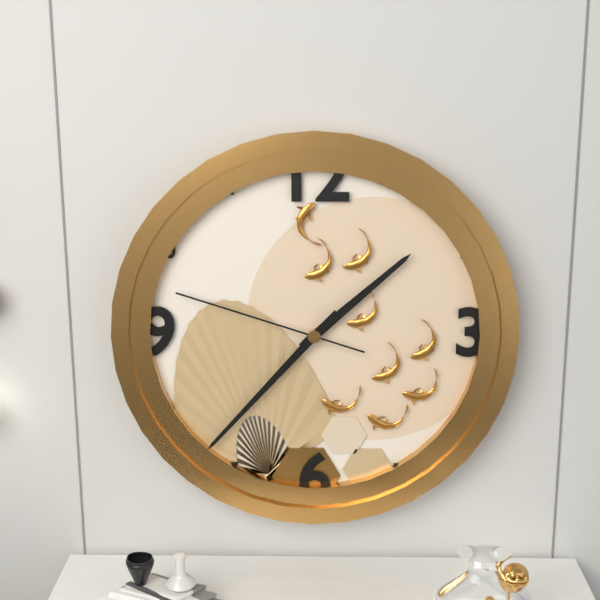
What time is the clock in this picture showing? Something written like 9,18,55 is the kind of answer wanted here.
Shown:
1,37,48
